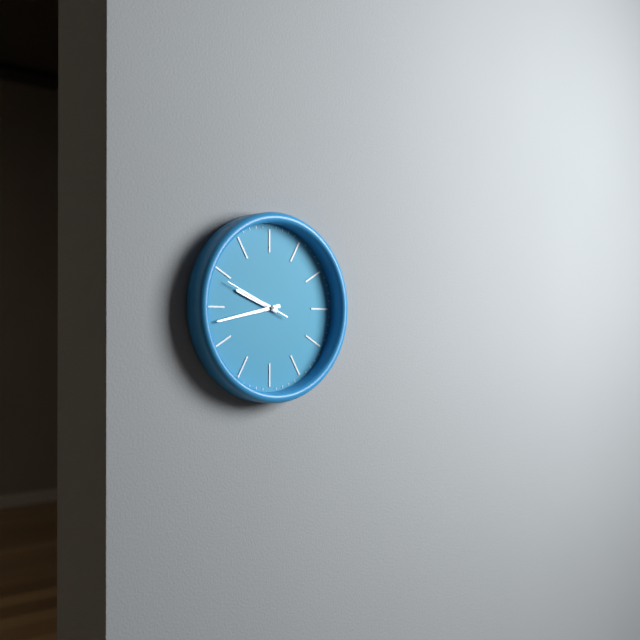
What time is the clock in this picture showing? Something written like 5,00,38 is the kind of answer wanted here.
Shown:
9,43,49
